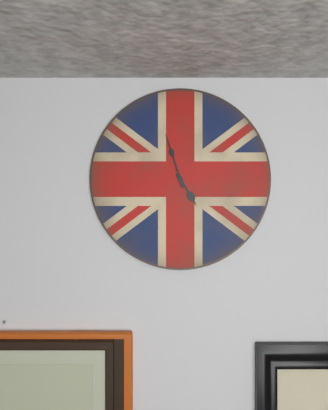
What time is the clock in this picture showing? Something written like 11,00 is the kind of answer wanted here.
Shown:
4,57
